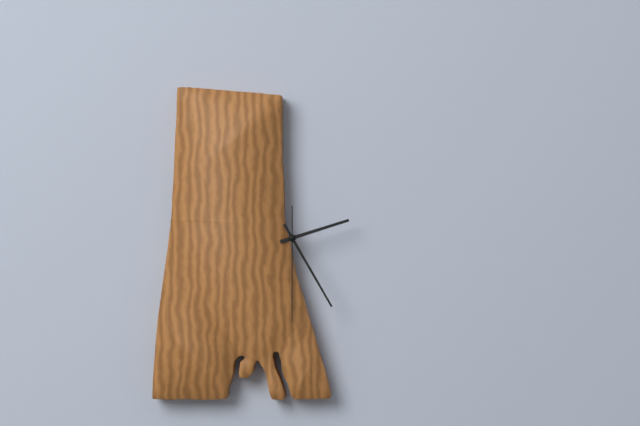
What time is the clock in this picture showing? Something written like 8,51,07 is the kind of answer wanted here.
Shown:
2,25,30
